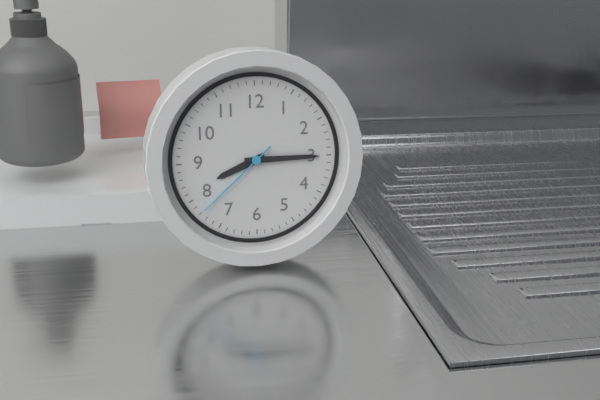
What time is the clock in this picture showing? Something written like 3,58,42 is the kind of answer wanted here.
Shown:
8,15,38
